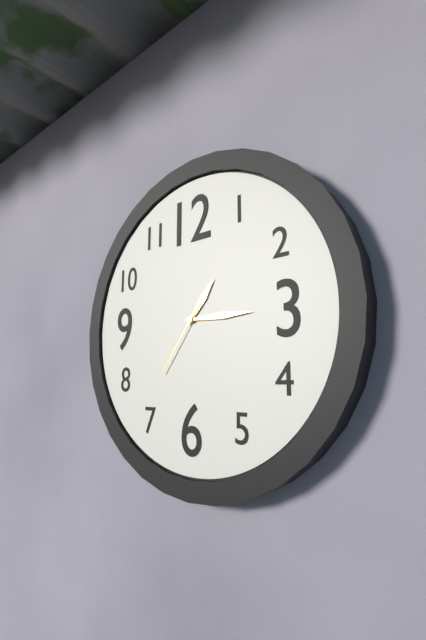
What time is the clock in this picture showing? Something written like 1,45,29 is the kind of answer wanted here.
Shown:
1,15,36
